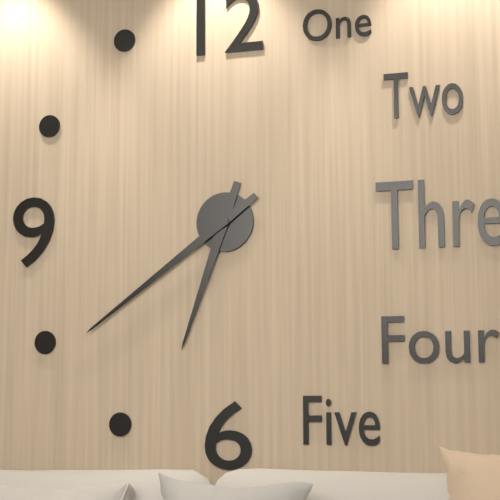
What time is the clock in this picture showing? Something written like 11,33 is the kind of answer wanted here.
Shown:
6,39
